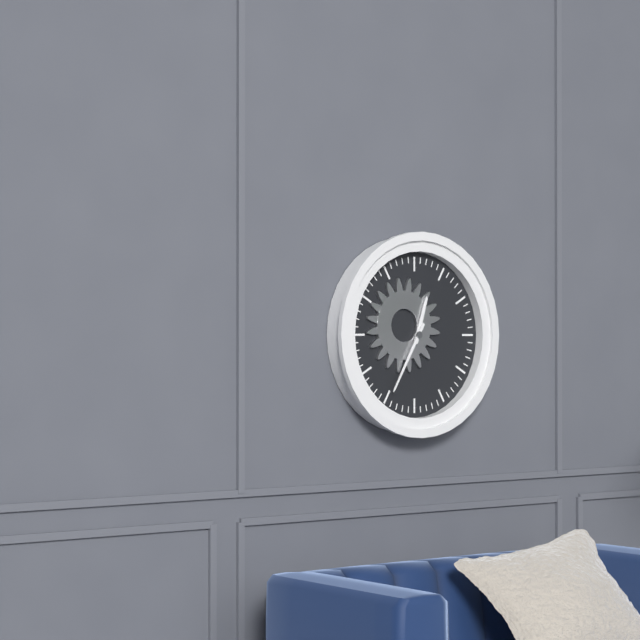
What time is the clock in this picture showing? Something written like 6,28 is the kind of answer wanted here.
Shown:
12,35
